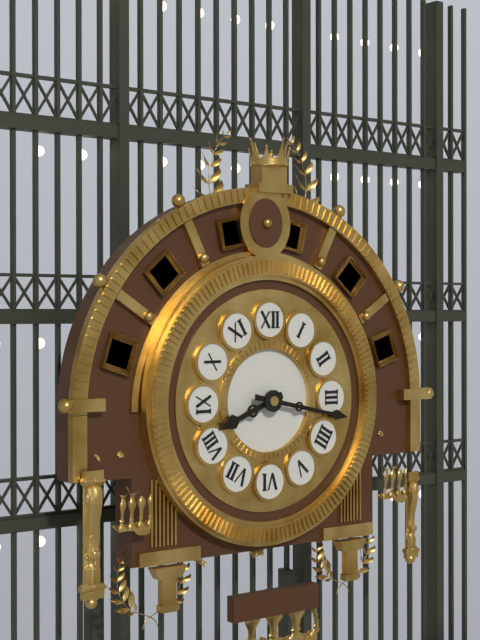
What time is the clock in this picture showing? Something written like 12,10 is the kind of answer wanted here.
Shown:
8,17
